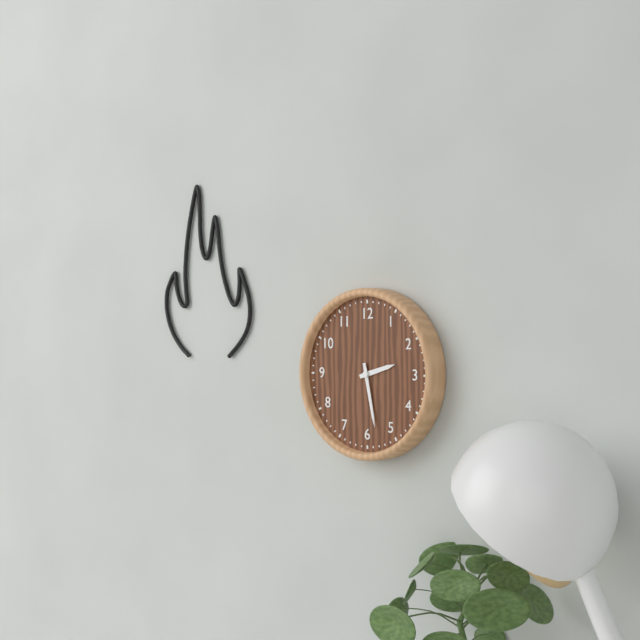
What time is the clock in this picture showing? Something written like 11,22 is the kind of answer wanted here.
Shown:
2,28
